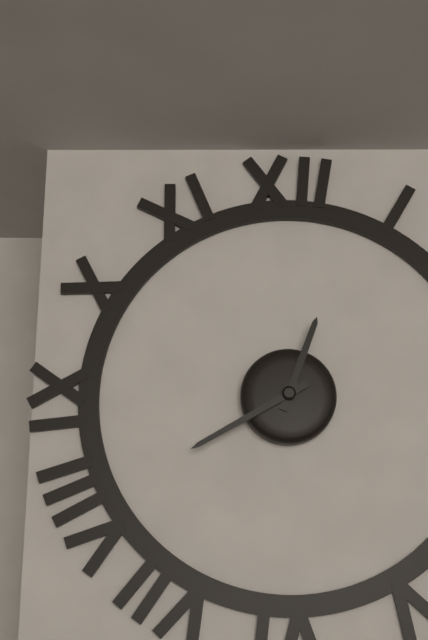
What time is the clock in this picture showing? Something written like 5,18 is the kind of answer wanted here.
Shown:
12,40
